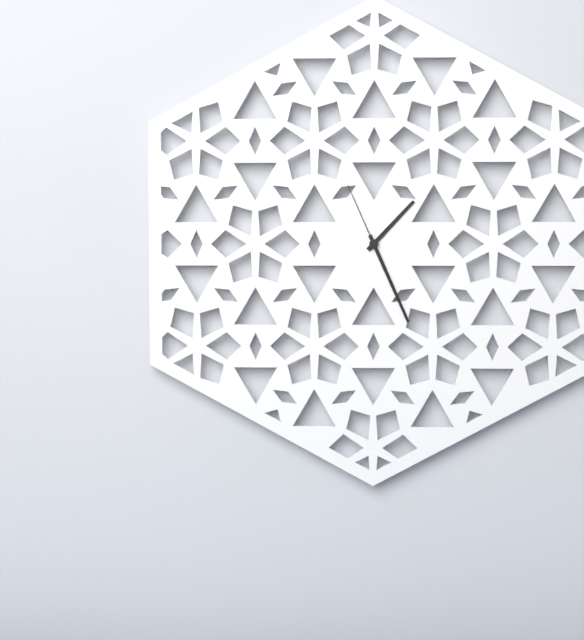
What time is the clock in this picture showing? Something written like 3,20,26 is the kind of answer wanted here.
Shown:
1,26,56
